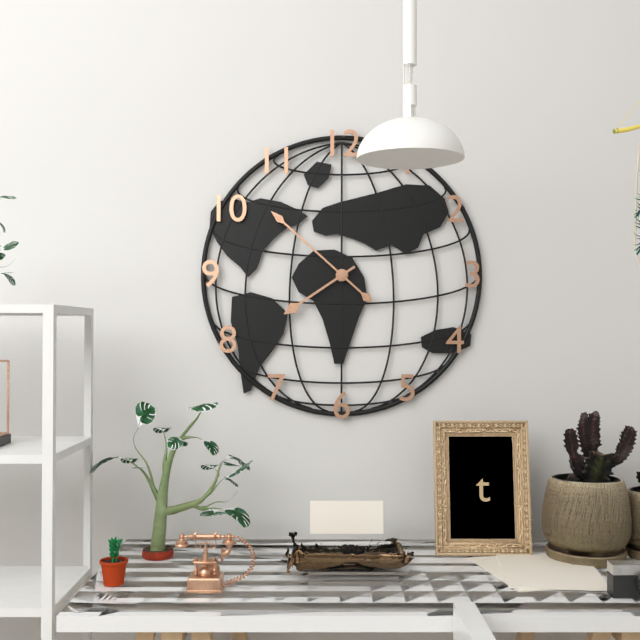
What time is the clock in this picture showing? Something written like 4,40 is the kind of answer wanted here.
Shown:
7,52
